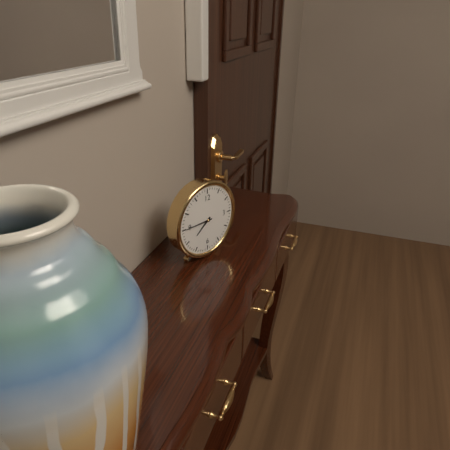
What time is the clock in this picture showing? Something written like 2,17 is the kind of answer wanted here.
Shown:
7,45
